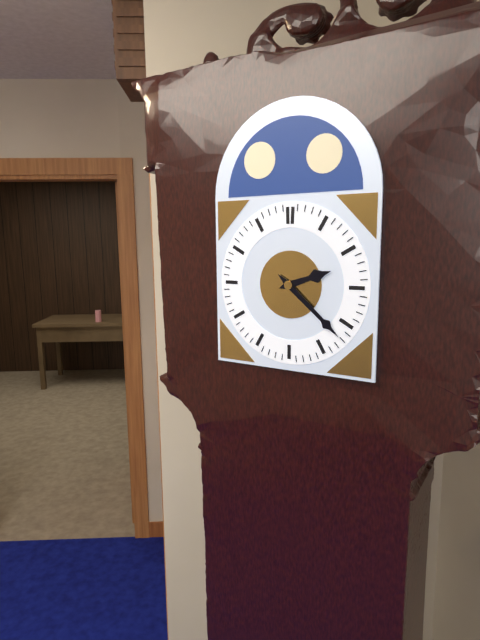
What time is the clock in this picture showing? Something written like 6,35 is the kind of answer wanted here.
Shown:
2,22
